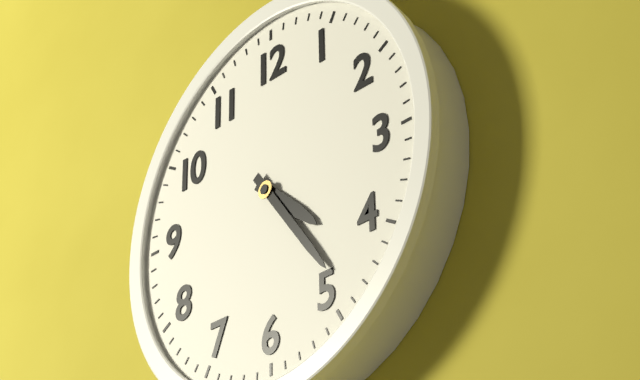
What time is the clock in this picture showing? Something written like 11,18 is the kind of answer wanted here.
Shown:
4,24
